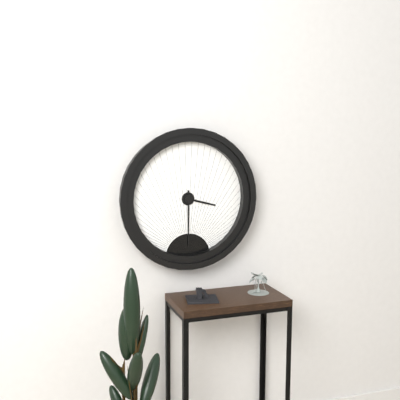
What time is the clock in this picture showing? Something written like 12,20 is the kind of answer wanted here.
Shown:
3,30
